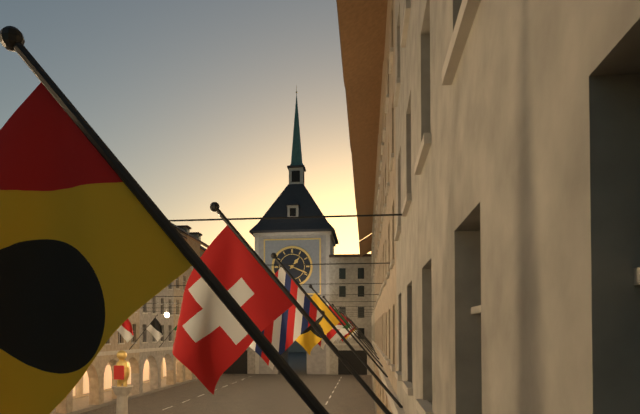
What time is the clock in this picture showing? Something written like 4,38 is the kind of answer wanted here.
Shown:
1,19
